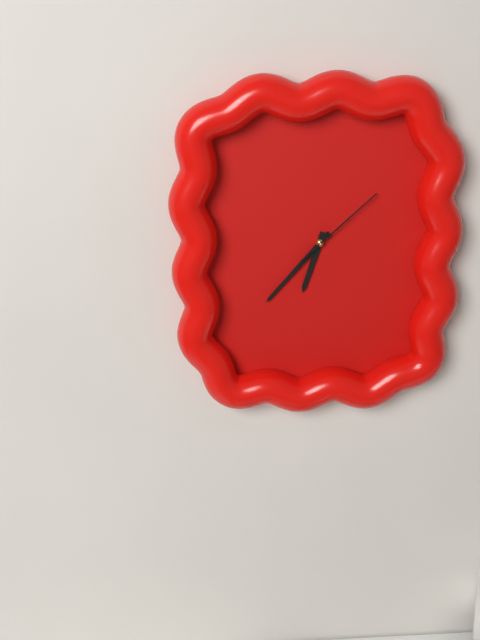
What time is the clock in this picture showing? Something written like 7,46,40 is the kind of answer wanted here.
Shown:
6,37,08
